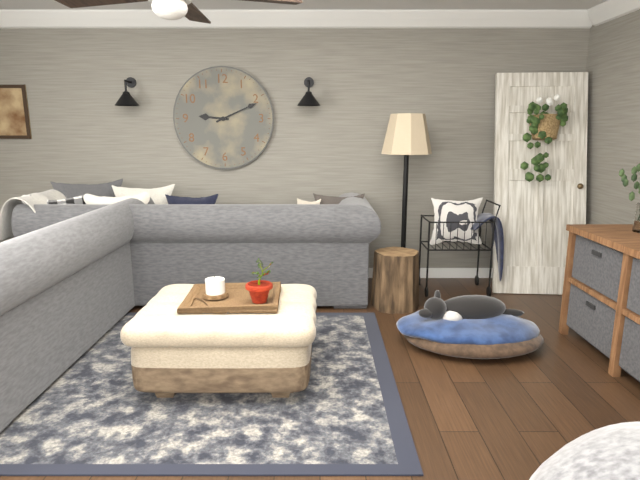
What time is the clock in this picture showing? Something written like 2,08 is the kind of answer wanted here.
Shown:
9,11
